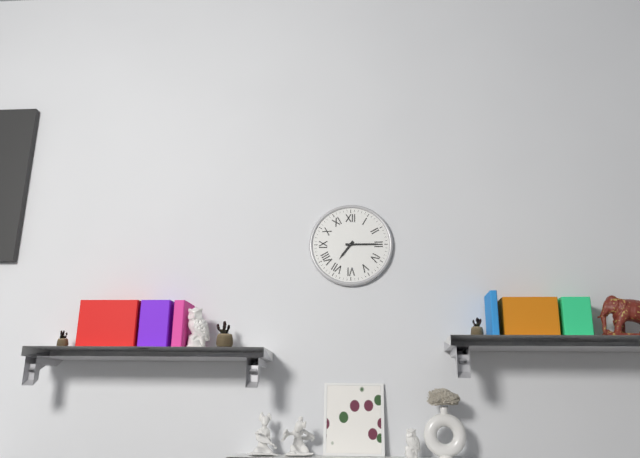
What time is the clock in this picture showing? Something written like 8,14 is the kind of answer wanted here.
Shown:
7,15
